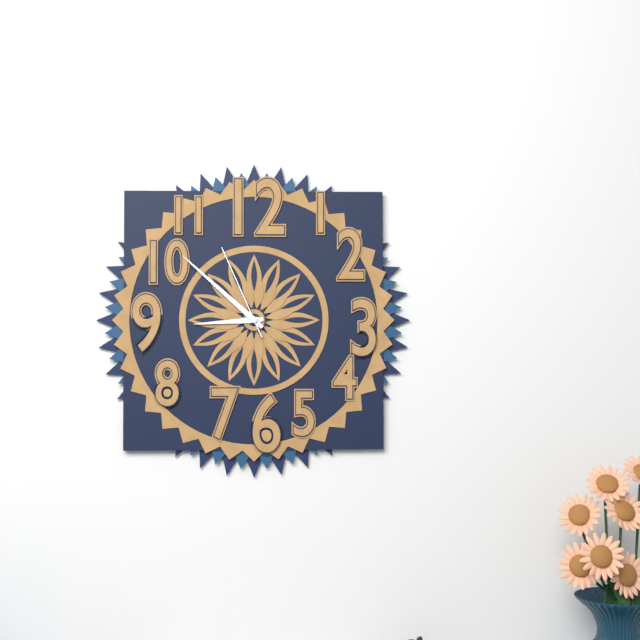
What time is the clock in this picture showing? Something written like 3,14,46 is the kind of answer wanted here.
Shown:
8,52,56
